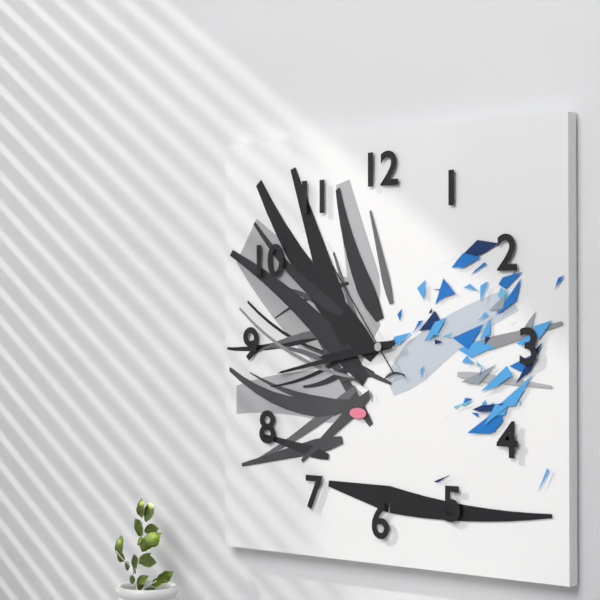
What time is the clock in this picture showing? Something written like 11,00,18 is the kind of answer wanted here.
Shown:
8,43,54
